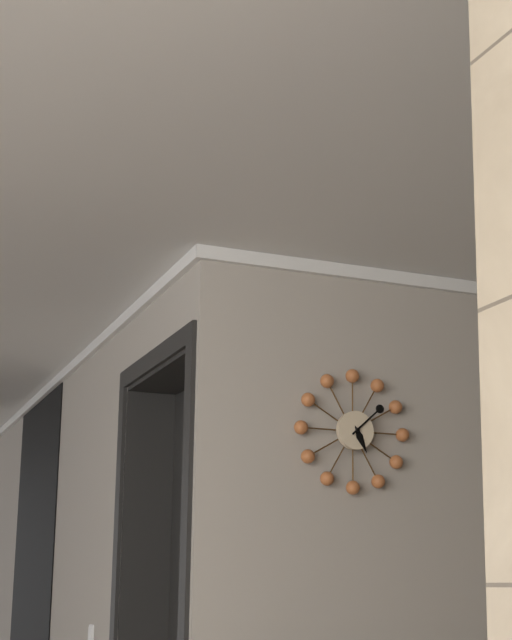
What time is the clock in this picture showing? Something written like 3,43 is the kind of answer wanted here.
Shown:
5,08
